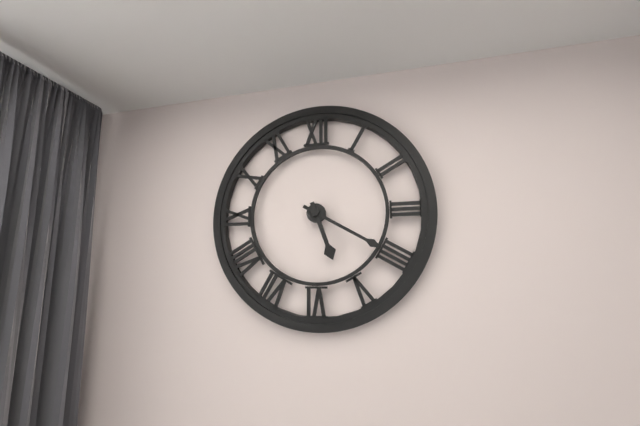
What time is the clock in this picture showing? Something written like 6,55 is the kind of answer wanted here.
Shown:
5,20
